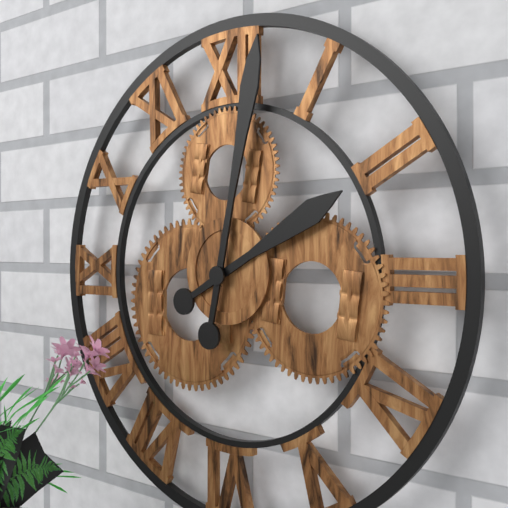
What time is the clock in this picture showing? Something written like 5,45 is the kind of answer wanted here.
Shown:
2,02
